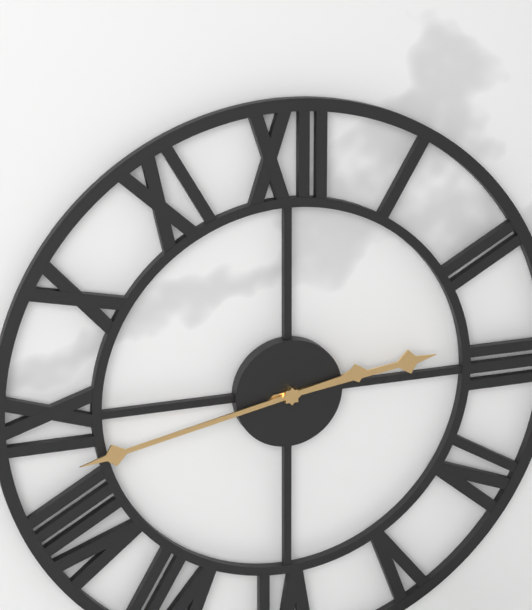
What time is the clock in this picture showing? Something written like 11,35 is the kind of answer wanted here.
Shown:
2,43
